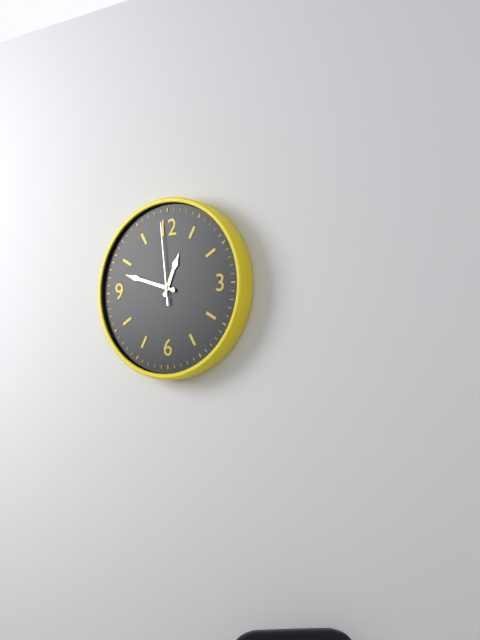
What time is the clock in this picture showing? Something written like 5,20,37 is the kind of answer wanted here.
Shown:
12,48,59
